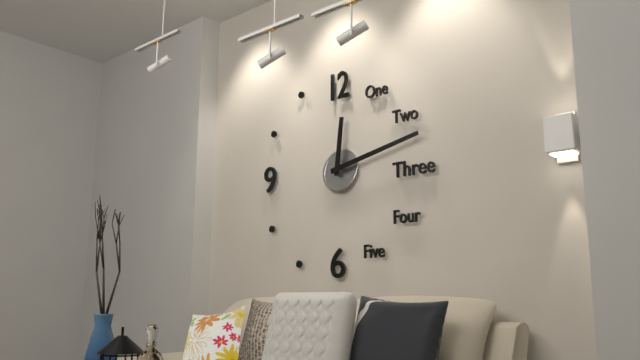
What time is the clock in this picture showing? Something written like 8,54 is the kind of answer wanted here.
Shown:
12,13
